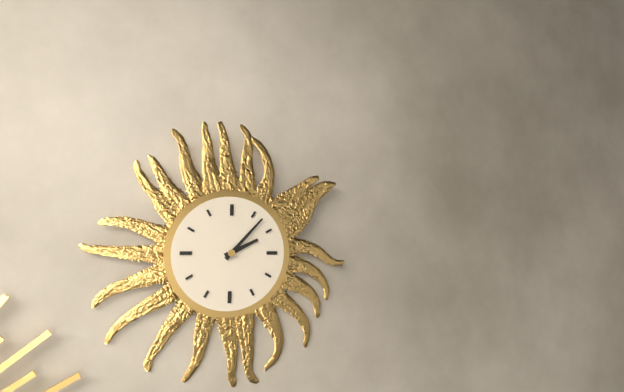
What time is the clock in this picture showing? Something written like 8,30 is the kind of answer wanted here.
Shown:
2,07
